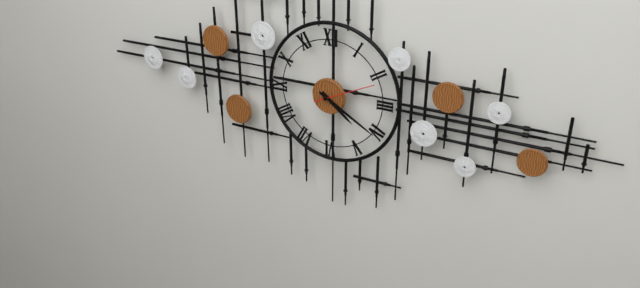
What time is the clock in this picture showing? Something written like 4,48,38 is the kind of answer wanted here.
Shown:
4,20,11
